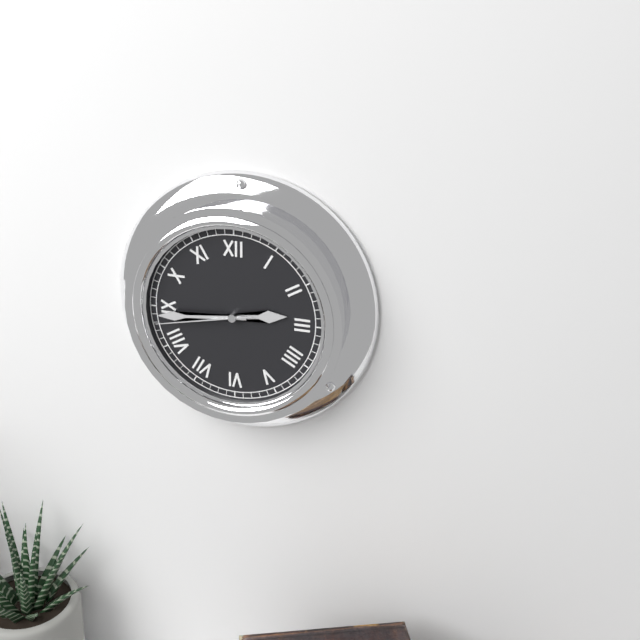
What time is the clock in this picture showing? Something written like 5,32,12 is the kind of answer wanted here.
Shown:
2,44,43
